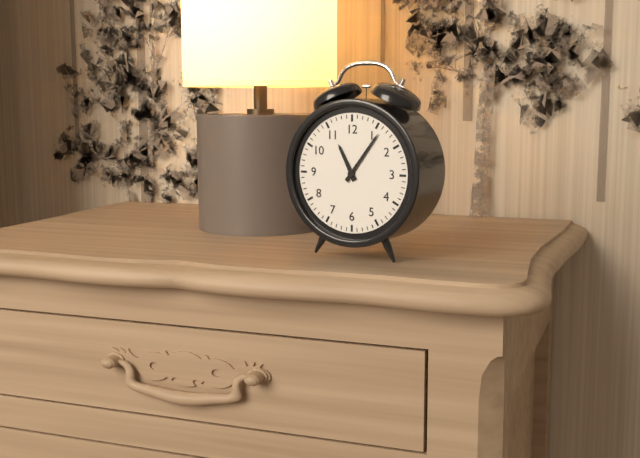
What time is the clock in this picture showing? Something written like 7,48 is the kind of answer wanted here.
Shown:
11,06
